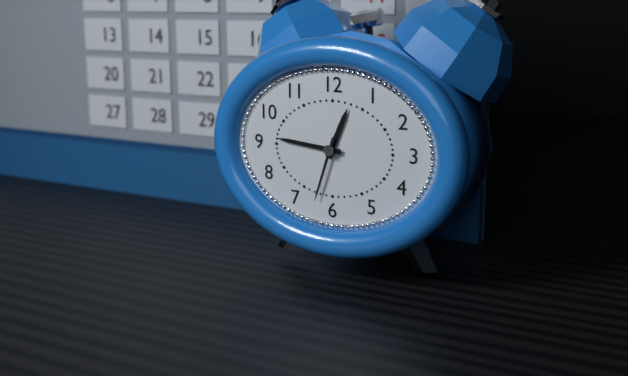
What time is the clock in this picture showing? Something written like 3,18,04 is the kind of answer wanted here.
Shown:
12,46,33
